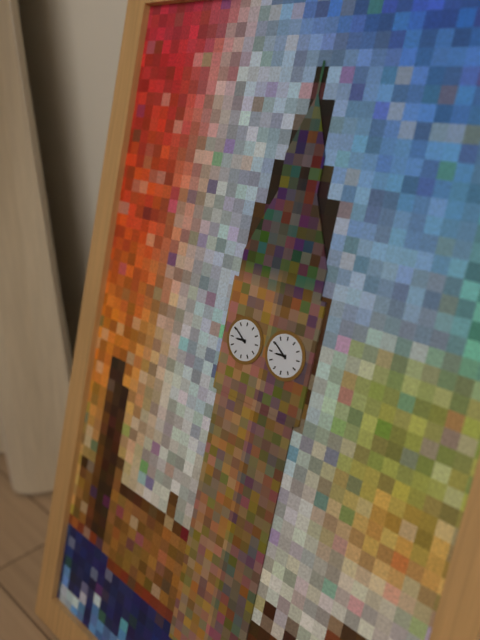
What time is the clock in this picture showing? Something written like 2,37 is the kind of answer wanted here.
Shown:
8,51
